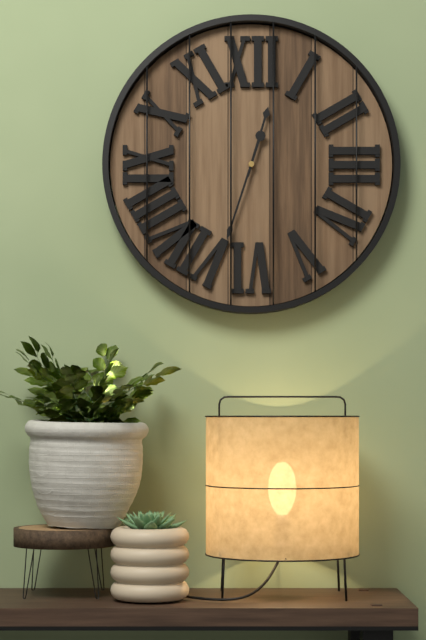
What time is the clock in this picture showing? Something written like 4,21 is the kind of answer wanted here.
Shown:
12,33
